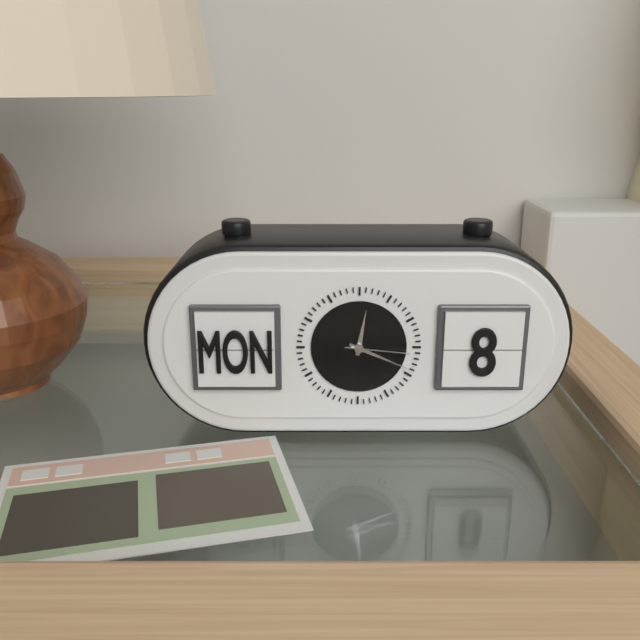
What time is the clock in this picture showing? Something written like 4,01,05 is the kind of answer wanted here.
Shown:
12,19,16
